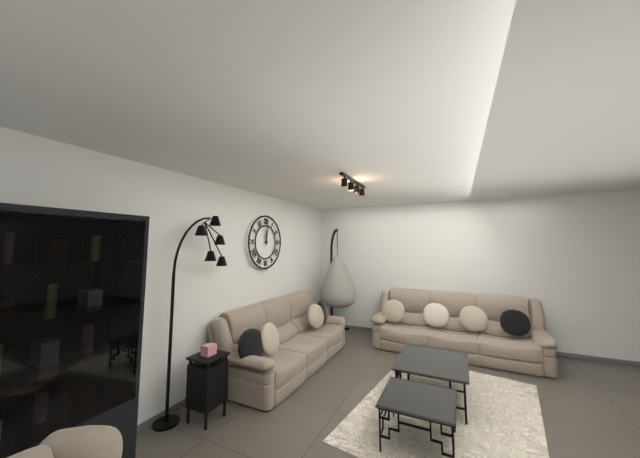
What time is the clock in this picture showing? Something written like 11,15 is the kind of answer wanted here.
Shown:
12,01
